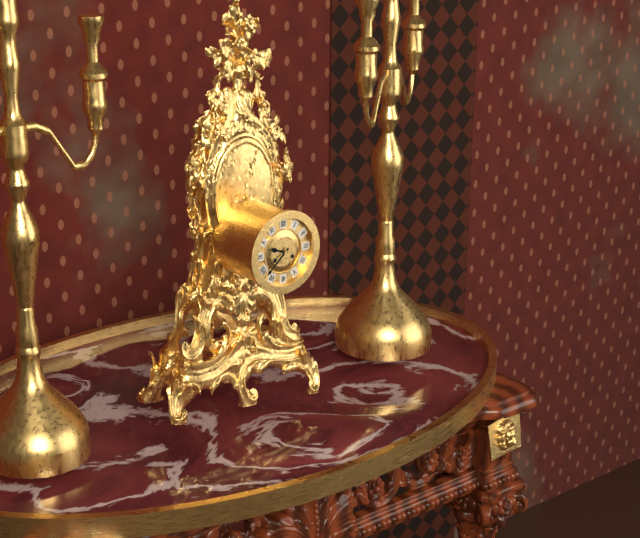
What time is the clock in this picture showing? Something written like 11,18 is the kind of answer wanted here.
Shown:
9,38
